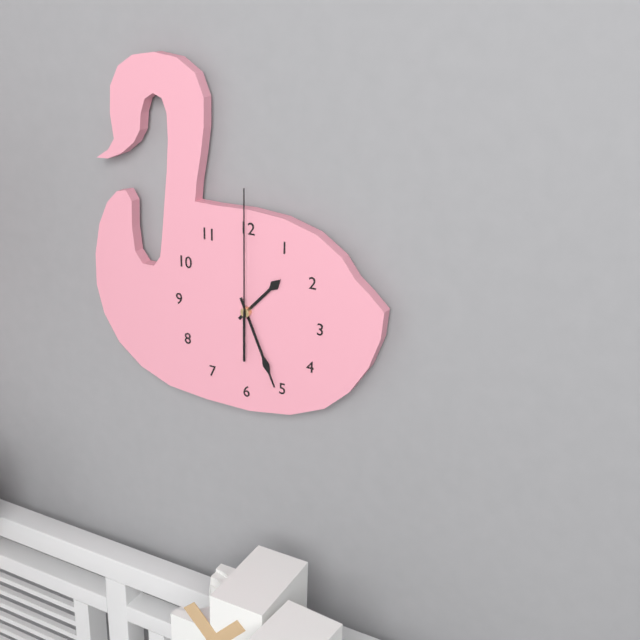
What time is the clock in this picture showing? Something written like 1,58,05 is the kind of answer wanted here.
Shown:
1,26,00
